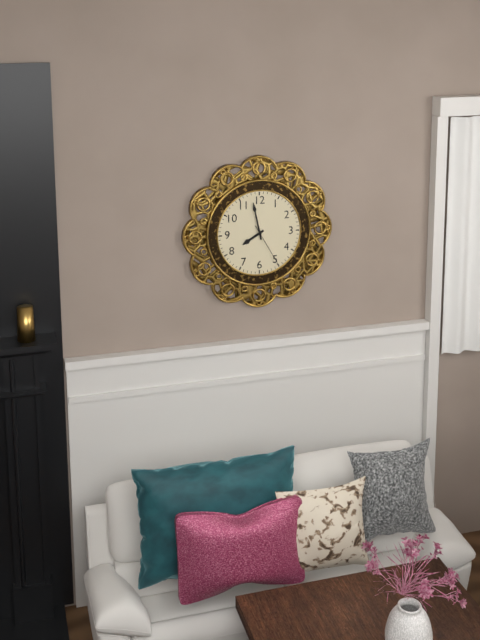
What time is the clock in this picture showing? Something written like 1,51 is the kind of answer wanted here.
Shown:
7,58
